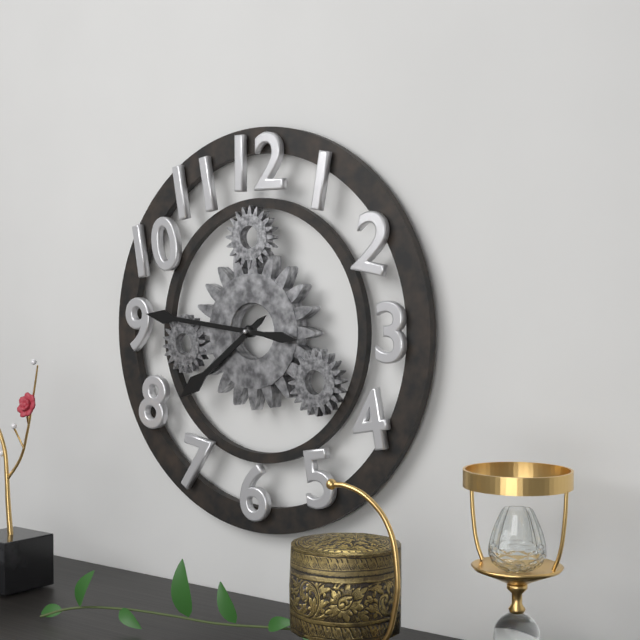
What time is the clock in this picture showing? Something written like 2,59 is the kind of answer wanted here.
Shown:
7,46
